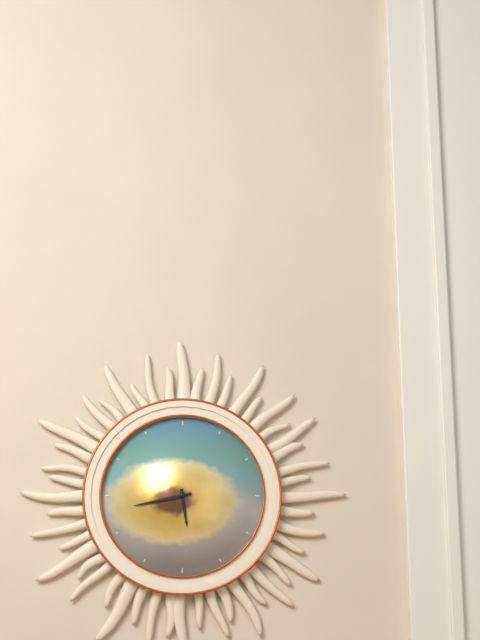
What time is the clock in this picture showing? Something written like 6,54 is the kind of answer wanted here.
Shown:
5,43
